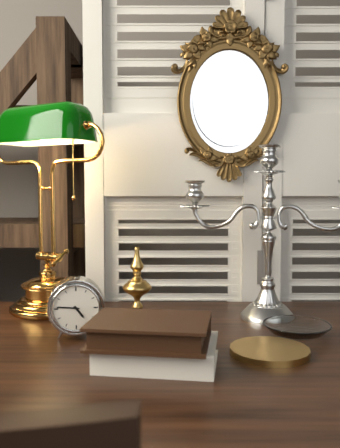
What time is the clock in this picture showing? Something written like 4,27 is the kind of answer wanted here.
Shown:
4,46
